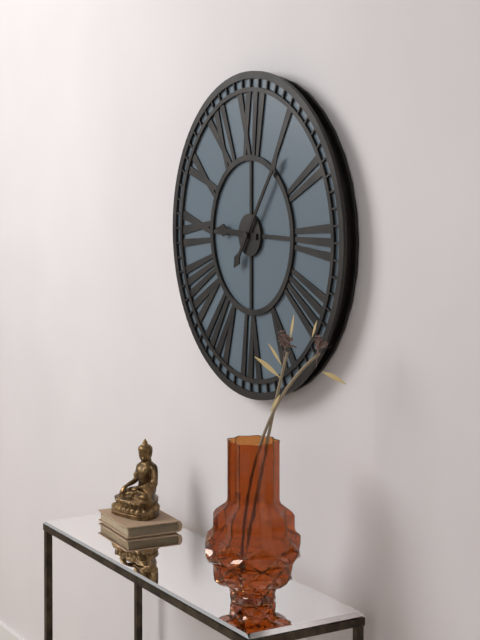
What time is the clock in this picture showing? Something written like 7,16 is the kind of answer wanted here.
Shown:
9,06
